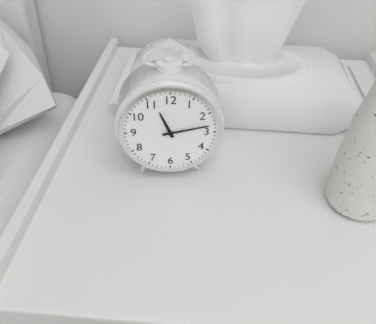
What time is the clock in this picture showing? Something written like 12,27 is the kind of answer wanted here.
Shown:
11,13
